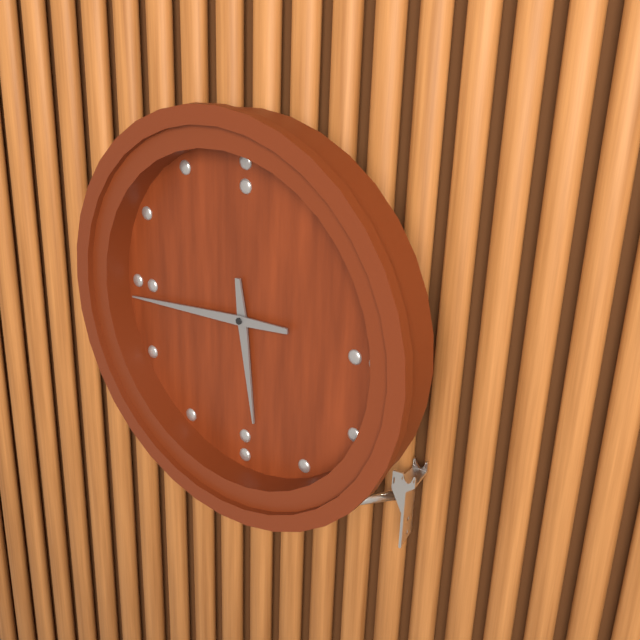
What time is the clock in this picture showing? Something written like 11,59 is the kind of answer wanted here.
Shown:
5,44
